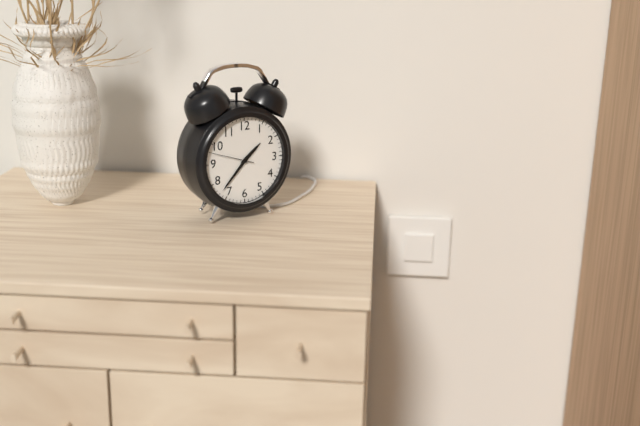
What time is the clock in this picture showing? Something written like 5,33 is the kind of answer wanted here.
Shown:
1,37
